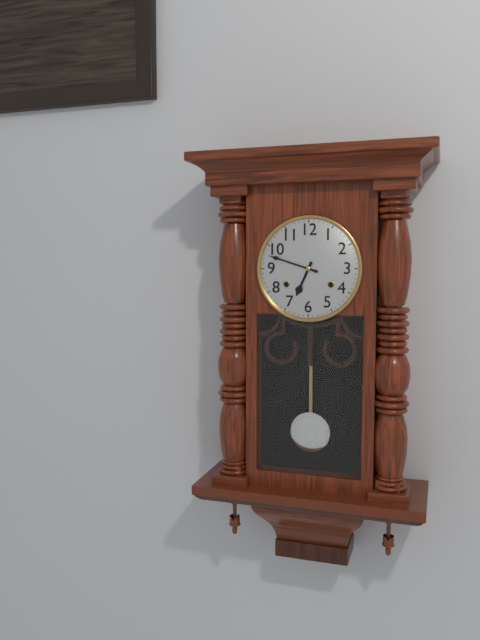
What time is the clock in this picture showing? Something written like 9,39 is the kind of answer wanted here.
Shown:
6,48
